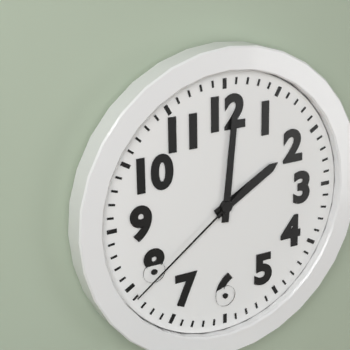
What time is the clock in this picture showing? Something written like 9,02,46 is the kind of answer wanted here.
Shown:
2,01,39
